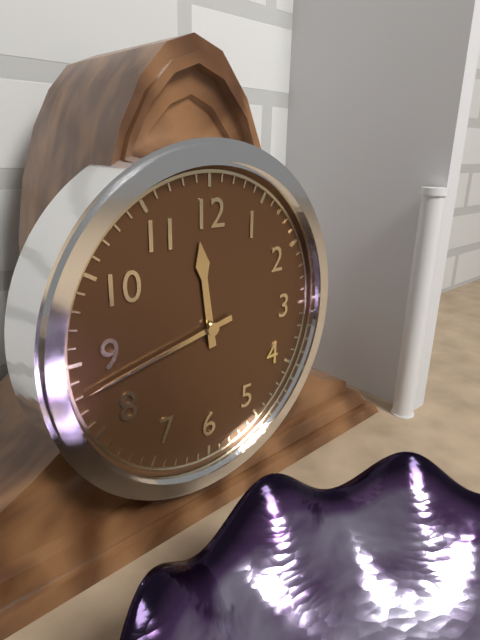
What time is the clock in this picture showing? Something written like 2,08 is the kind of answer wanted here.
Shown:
11,43
